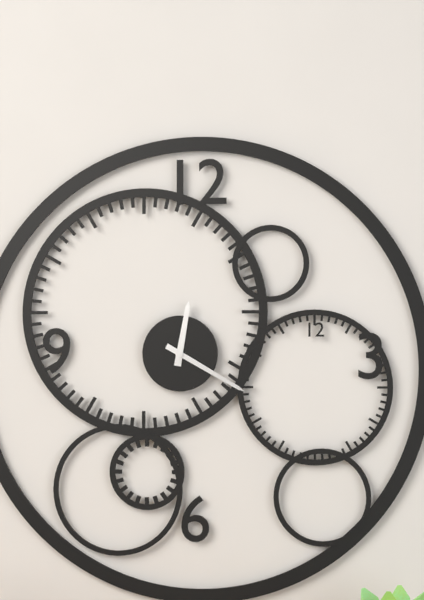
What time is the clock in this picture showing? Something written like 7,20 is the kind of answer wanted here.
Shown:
12,20
